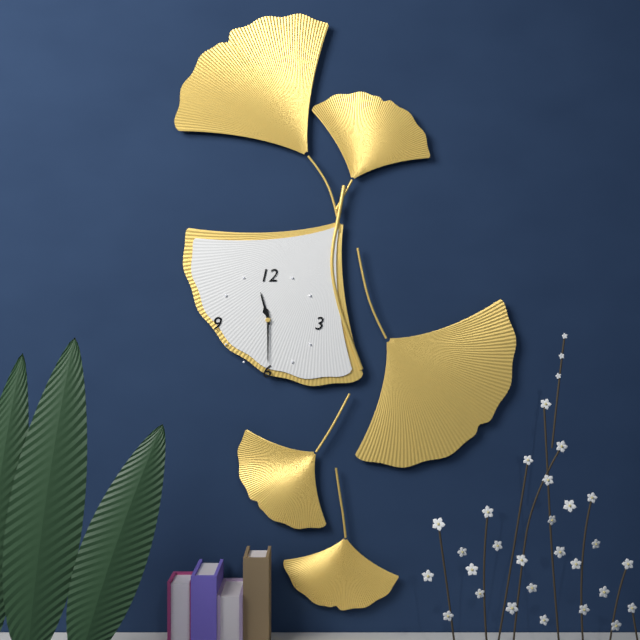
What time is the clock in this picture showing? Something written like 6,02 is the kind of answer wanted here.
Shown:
11,30
